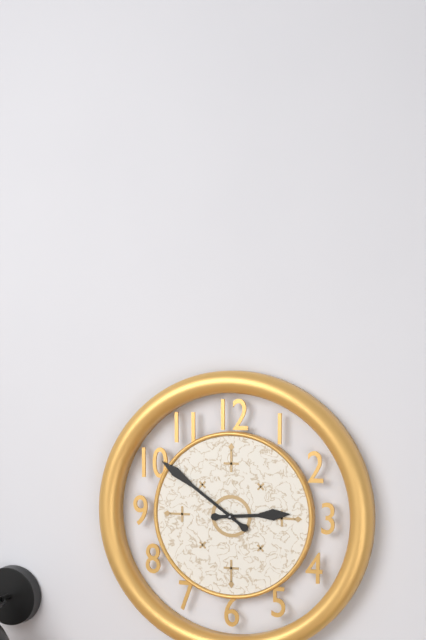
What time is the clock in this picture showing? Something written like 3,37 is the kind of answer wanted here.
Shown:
2,51
